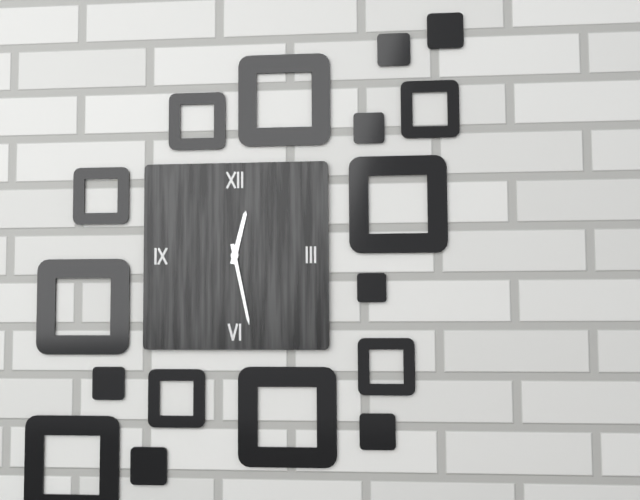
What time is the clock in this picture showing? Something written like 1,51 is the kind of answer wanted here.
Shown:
12,28
